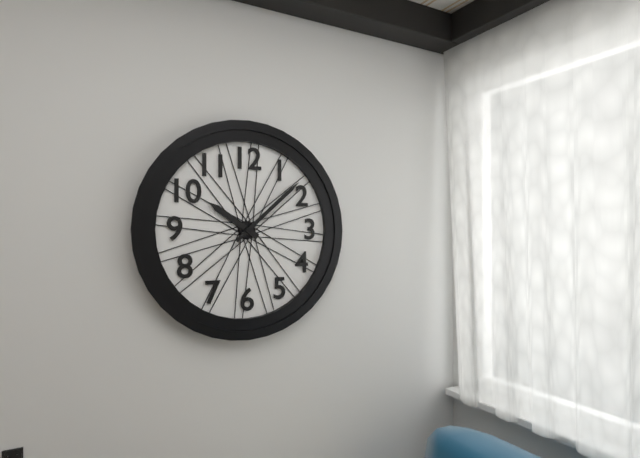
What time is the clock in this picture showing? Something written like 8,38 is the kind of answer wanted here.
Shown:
10,08
